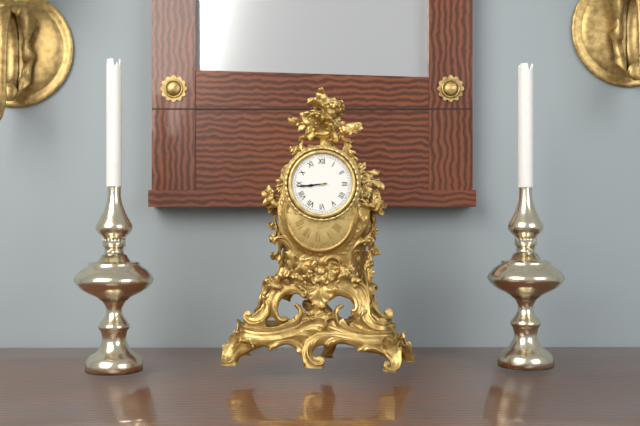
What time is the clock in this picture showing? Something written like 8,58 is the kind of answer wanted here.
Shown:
8,44
